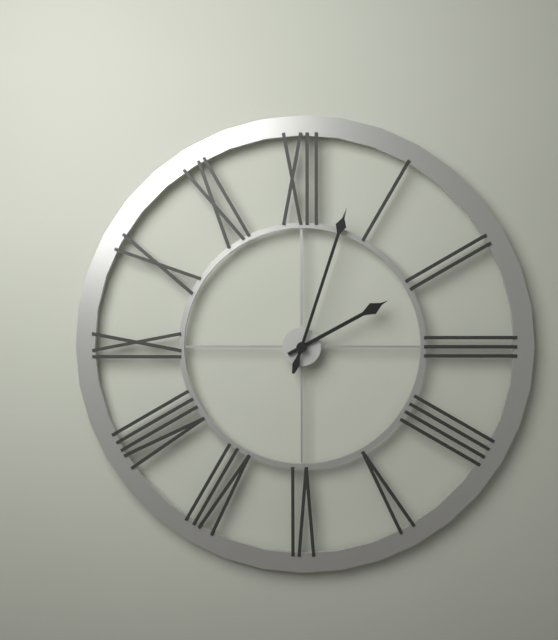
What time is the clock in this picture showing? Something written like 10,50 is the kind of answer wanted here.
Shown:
2,03
